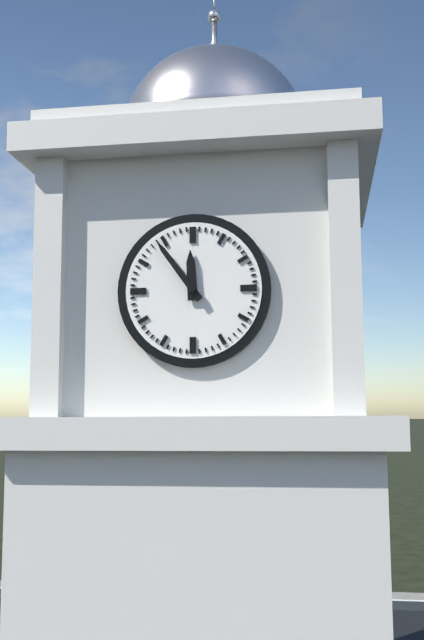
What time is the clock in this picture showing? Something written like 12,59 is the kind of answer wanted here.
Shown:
11,54
